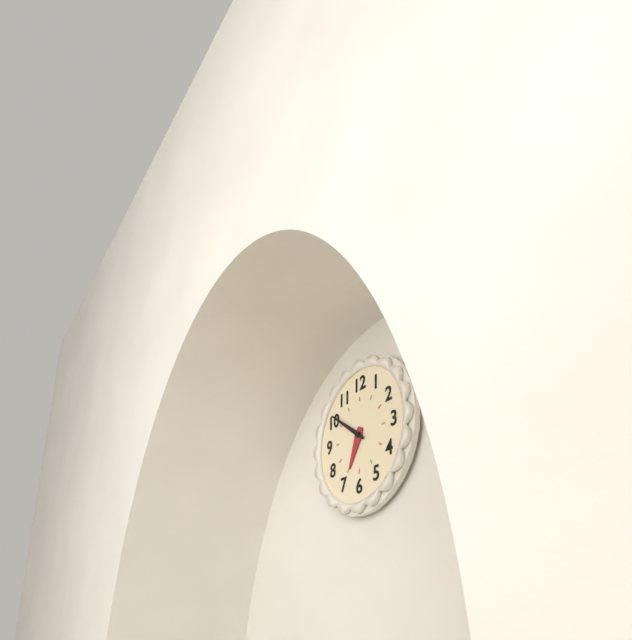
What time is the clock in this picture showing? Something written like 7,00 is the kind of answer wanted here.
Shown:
6,51
